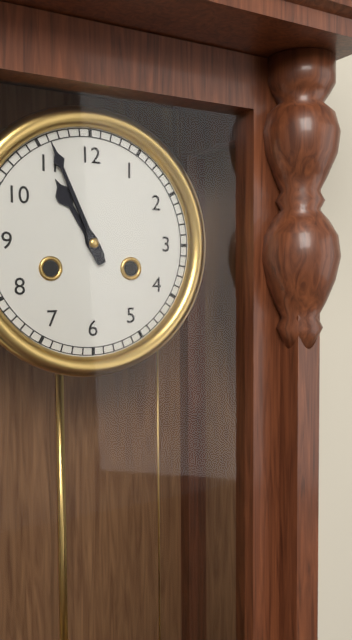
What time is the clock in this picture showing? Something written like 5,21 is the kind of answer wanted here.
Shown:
10,56
